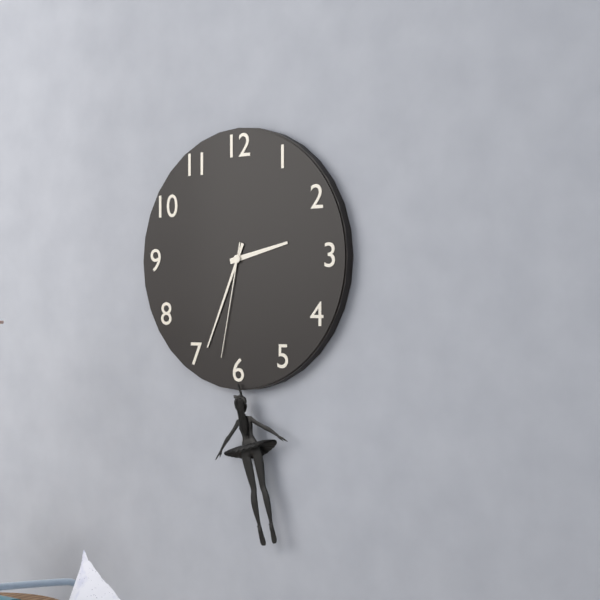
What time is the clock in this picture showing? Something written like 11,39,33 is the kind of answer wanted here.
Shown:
2,34,32
